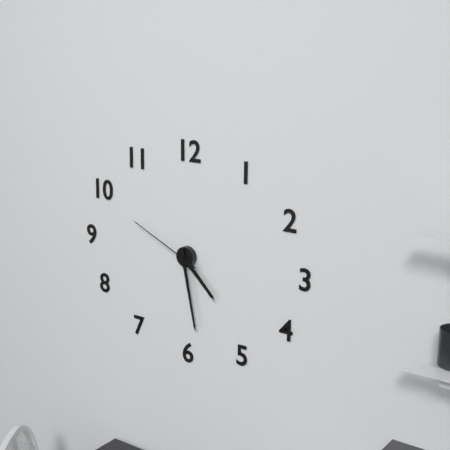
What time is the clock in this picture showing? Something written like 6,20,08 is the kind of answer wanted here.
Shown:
4,28,49
